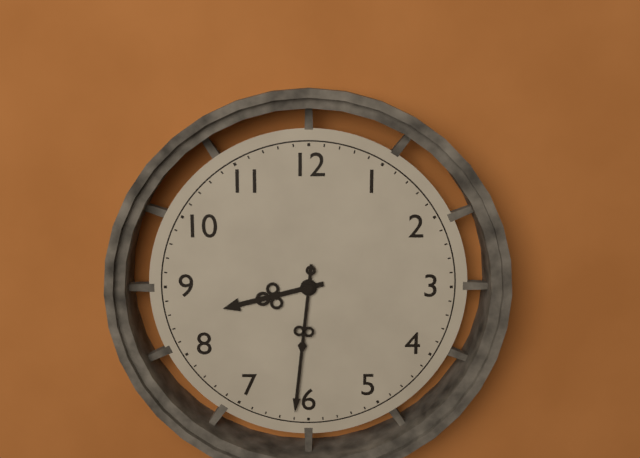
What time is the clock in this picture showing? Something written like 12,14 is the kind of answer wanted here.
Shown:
8,31
